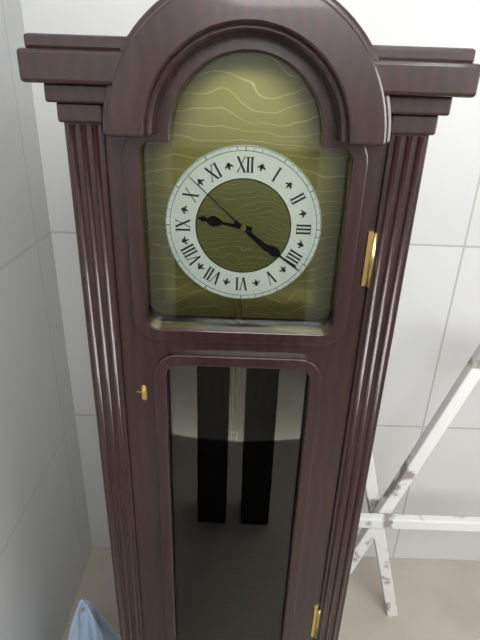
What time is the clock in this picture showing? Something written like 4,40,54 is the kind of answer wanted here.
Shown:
9,21,52
